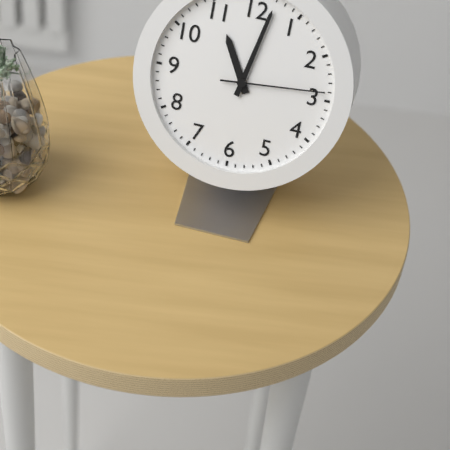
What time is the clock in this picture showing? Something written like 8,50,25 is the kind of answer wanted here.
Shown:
11,02,14
